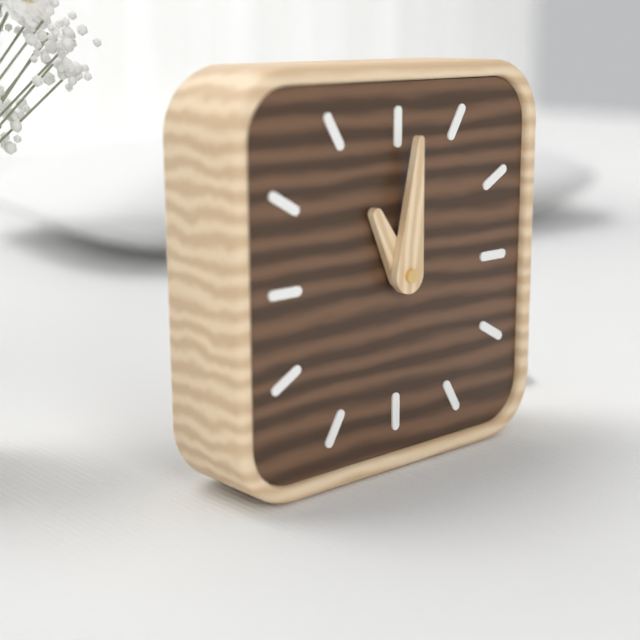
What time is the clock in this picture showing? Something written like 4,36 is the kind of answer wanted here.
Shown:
11,01
